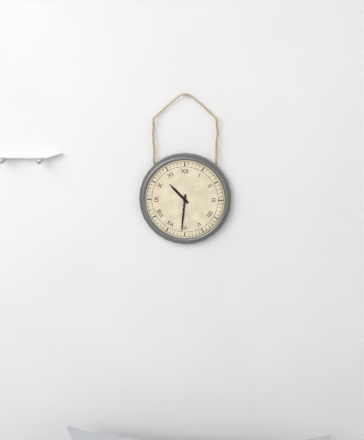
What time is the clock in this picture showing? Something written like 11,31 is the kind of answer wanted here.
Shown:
10,31
